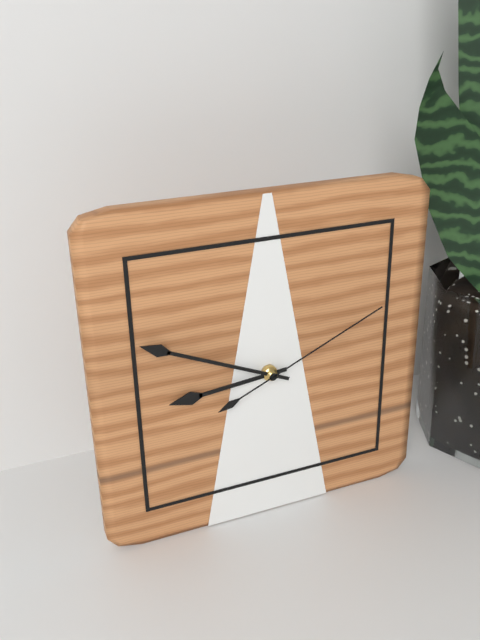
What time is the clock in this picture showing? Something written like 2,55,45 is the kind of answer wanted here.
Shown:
8,49,11
